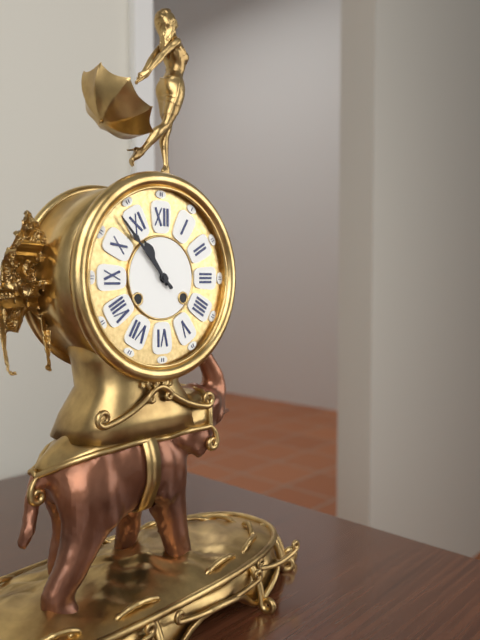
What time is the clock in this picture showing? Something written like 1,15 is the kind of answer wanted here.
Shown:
10,53
